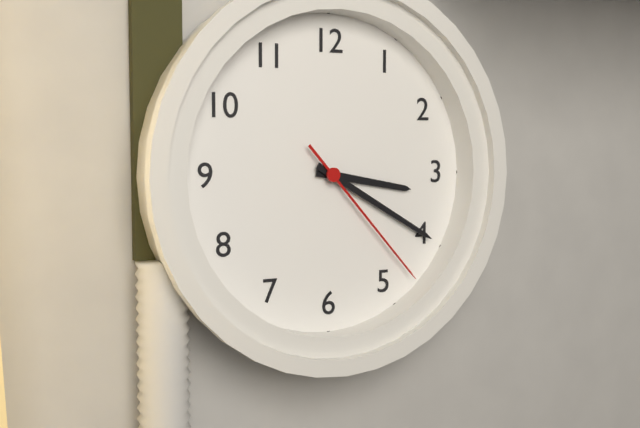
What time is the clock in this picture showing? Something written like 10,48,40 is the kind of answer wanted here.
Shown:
3,20,23
